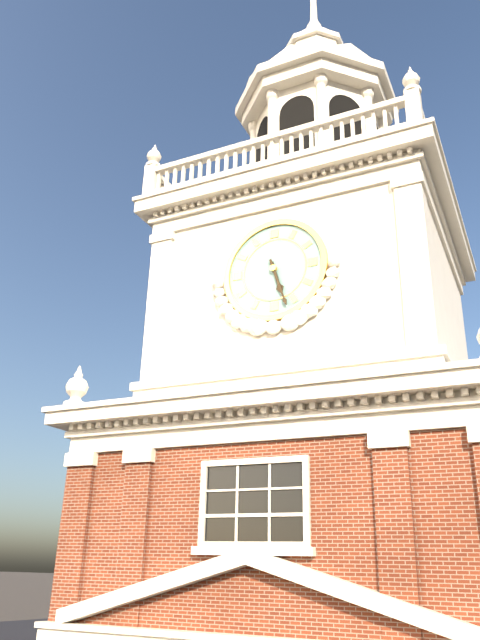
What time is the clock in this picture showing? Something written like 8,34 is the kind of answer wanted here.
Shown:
5,27
